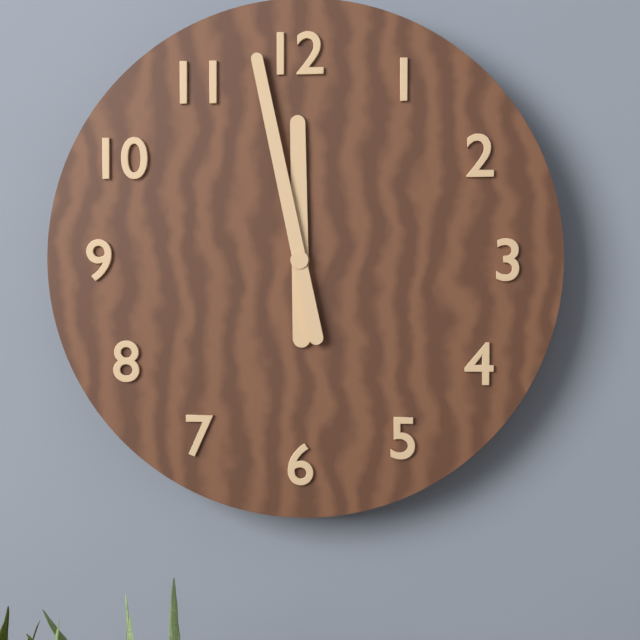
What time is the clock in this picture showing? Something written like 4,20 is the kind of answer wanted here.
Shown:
11,58
